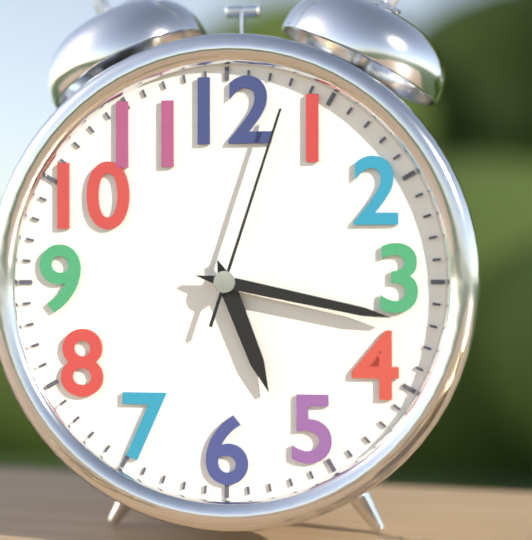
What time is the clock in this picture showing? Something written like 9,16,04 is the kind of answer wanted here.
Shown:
5,17,03
